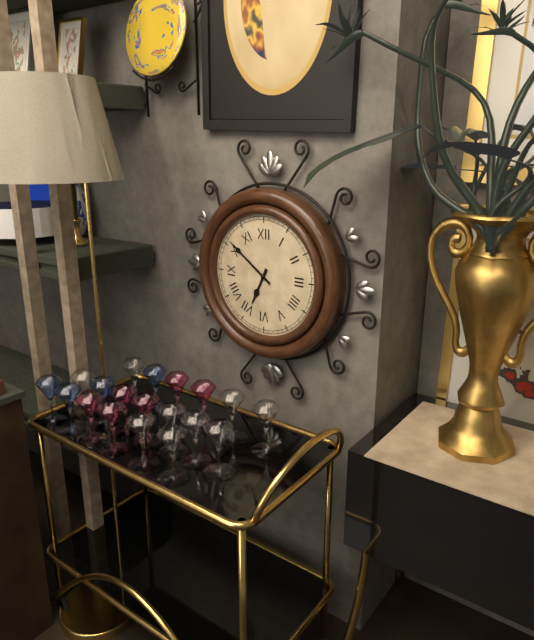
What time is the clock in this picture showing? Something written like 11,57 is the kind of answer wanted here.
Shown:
6,51
